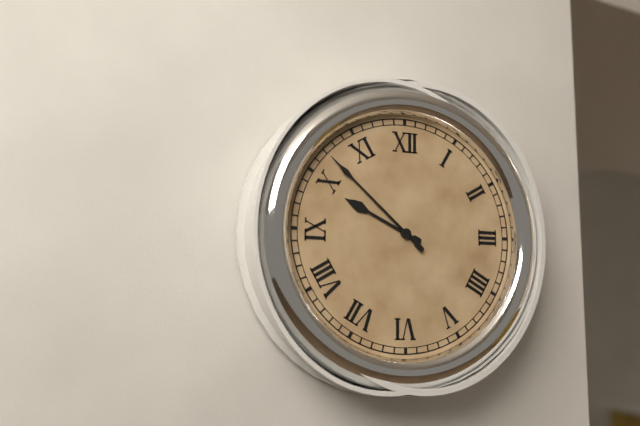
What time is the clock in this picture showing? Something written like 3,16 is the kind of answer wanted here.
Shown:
9,52
